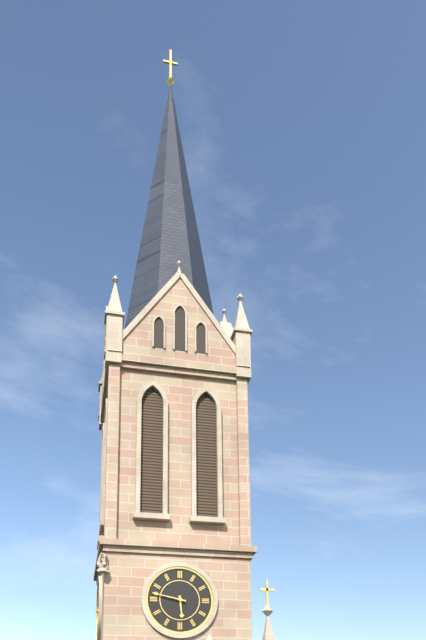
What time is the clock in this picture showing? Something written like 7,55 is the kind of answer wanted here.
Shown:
5,47
